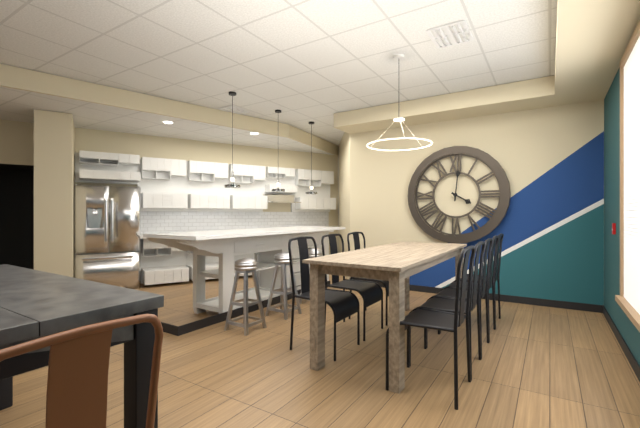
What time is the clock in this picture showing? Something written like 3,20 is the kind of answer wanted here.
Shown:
4,01
